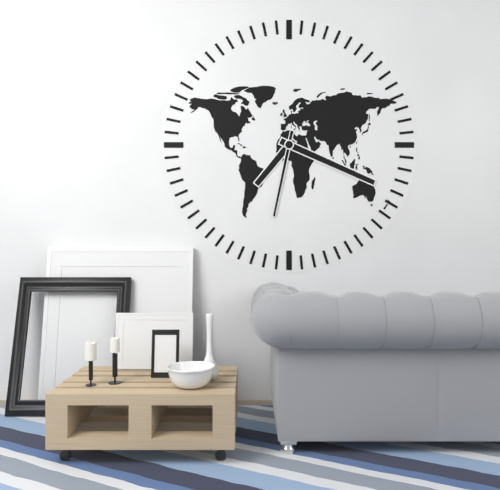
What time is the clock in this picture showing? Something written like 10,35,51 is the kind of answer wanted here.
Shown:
7,19,32
